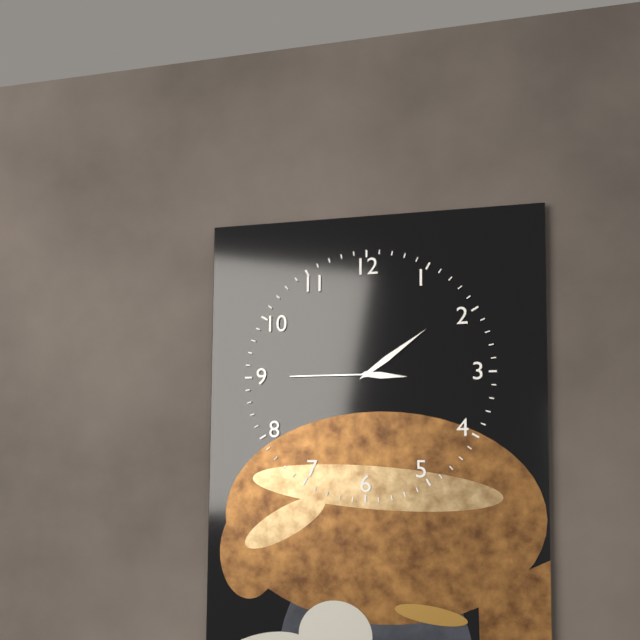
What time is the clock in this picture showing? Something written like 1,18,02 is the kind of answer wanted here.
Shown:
3,09,45
